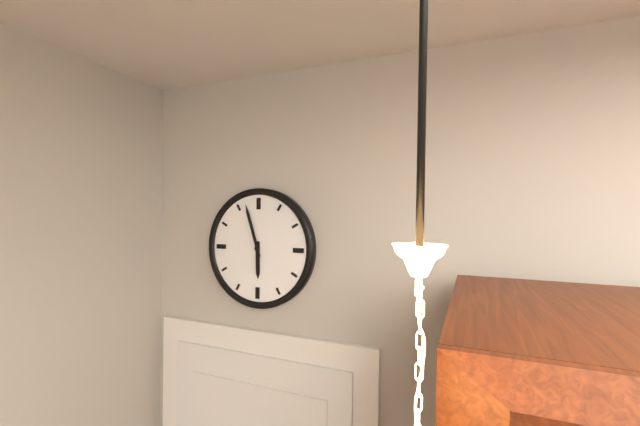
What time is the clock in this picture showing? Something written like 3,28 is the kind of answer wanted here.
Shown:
5,57
